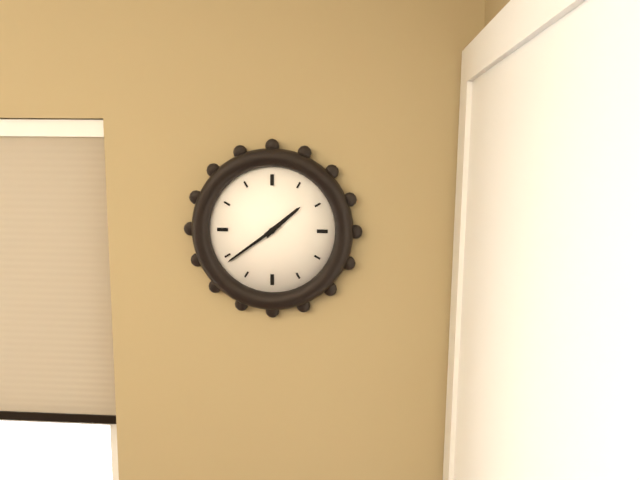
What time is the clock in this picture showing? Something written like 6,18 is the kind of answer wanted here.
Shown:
1,39
